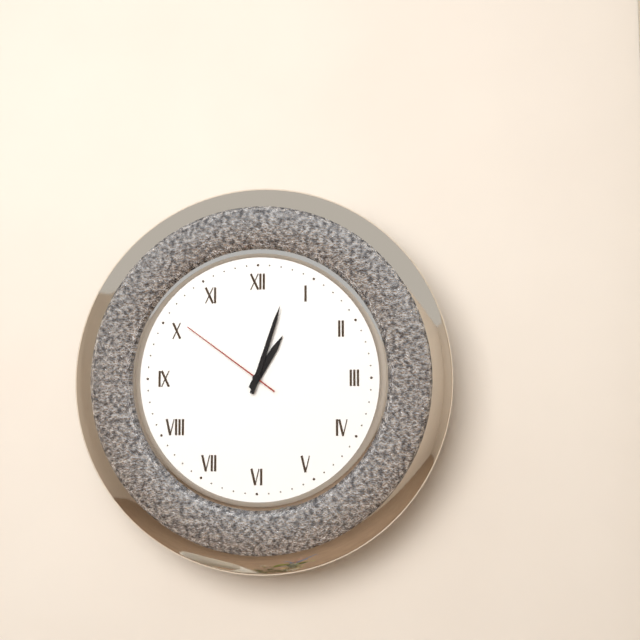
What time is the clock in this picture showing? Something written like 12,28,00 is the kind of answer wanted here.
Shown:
1,03,51
